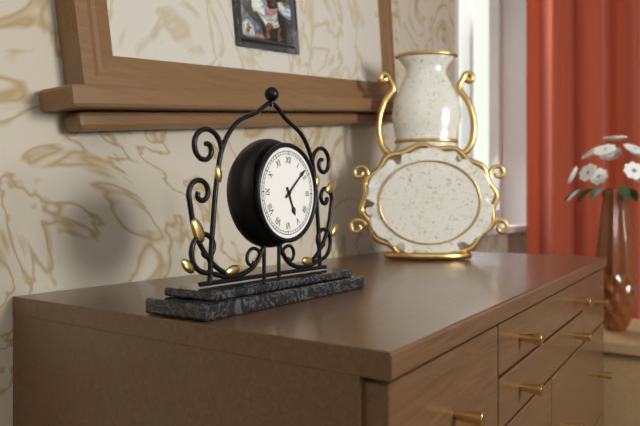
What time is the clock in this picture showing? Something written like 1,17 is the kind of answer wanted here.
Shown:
5,08
